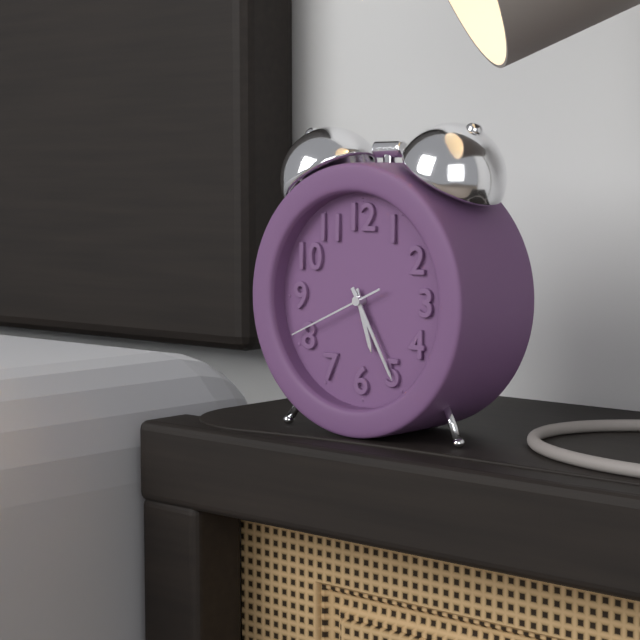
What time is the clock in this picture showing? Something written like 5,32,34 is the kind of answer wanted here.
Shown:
5,25,41
